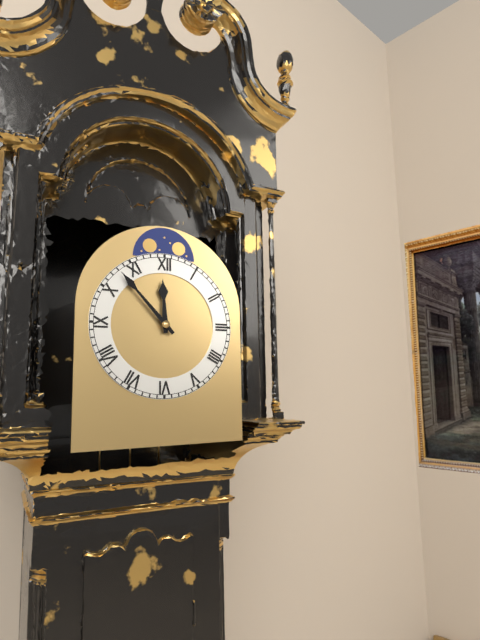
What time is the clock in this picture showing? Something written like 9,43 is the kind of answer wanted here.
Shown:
11,53
